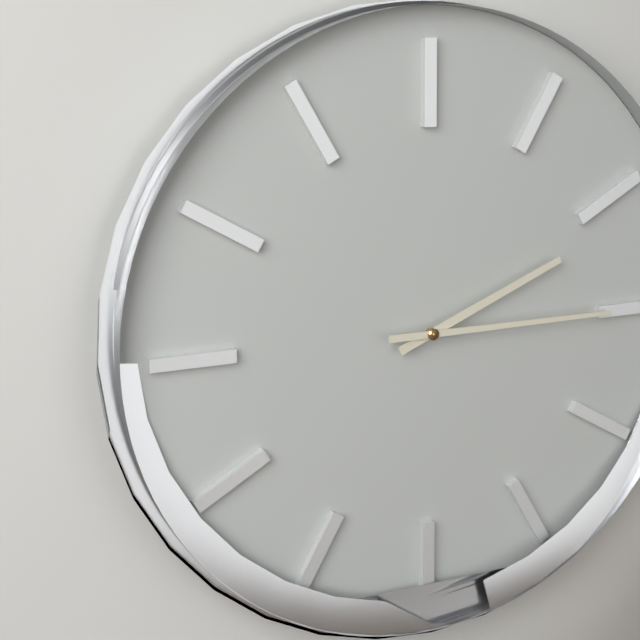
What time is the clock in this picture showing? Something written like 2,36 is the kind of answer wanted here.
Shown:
2,15
